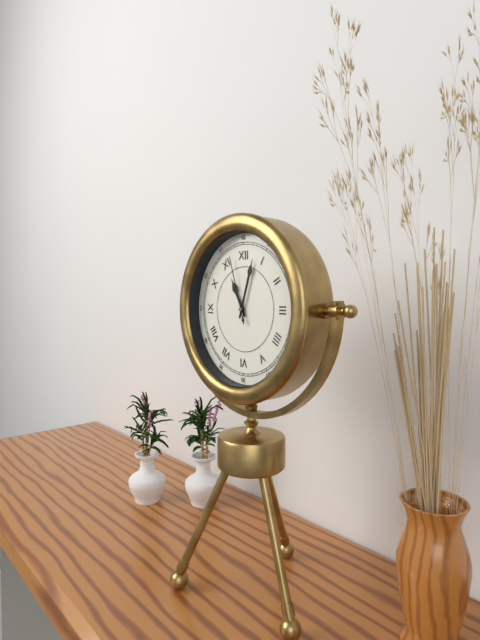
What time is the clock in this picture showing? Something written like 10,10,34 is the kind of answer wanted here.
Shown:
11,03,57
